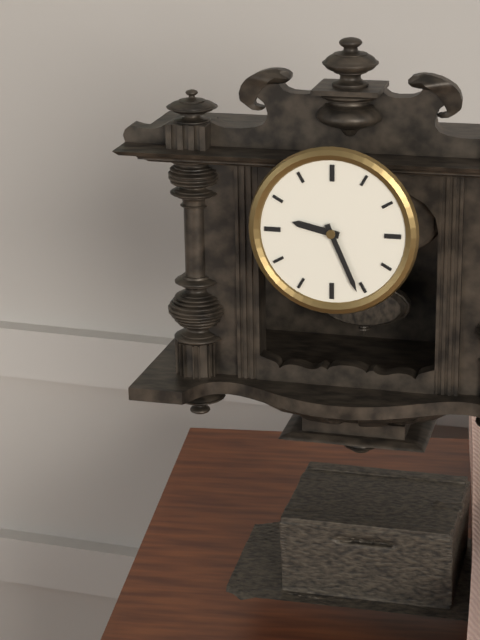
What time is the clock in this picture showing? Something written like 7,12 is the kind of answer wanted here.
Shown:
9,26
